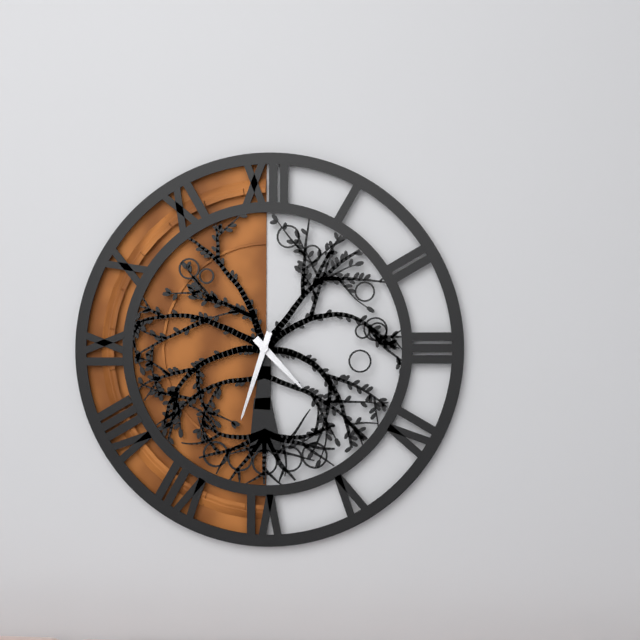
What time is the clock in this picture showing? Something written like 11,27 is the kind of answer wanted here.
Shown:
4,33
